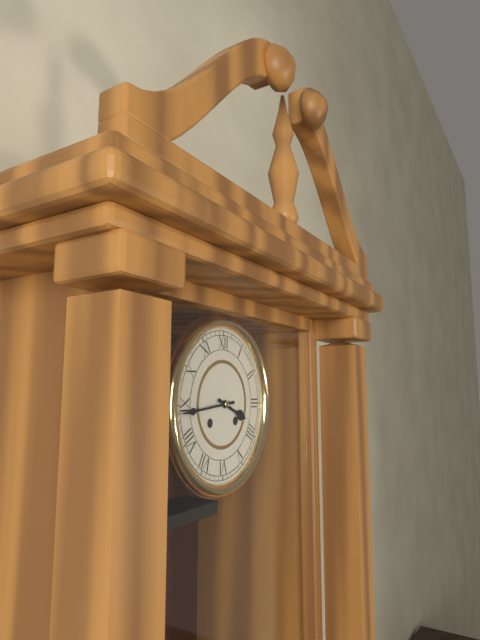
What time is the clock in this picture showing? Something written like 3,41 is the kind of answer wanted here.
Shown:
3,44
